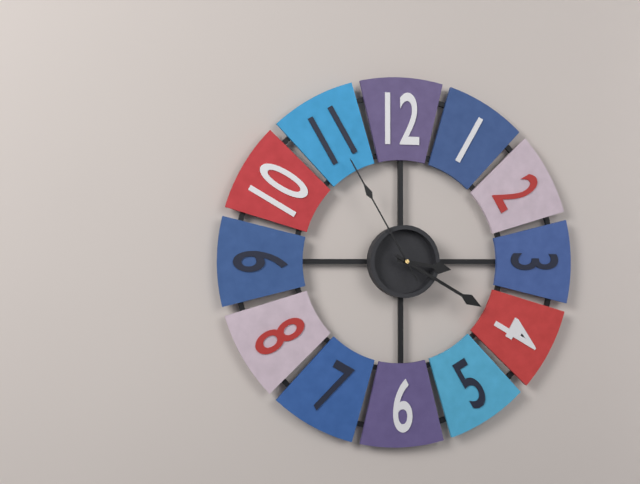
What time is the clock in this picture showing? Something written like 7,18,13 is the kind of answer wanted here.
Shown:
3,20,55
